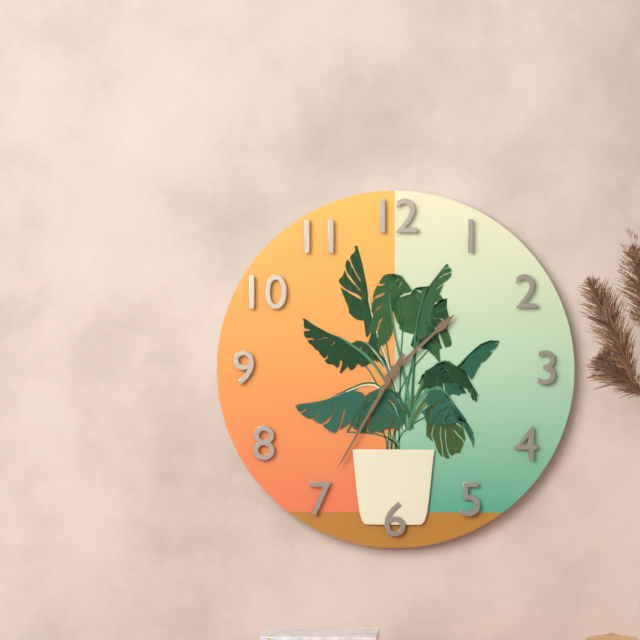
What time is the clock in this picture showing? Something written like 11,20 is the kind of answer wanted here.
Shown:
1,35
